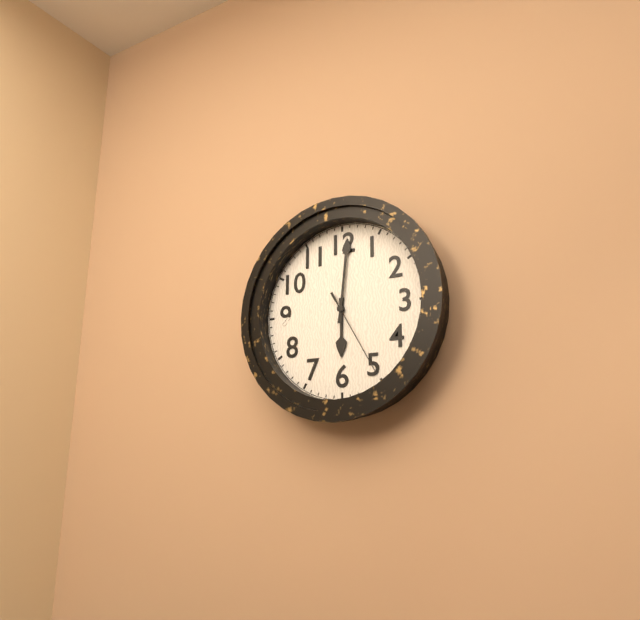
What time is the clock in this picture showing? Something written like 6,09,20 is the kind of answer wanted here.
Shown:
6,01,25
